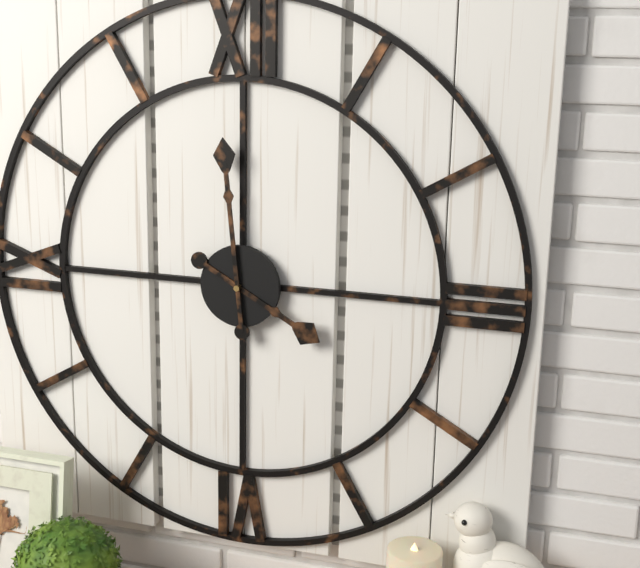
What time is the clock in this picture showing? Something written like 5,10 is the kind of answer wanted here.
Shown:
3,59
